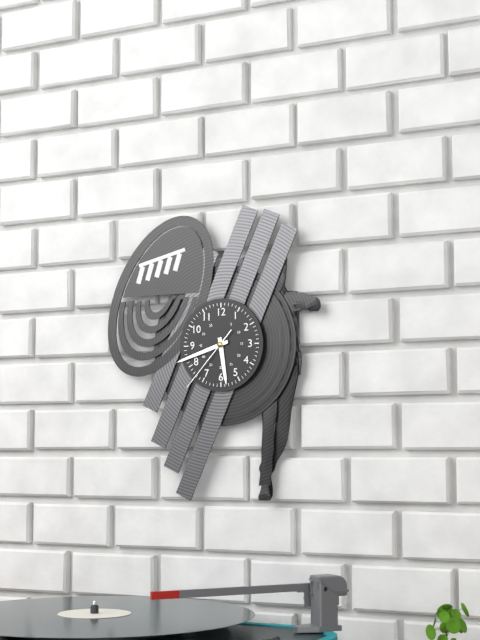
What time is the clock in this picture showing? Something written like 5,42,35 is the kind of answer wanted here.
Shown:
5,42,37
